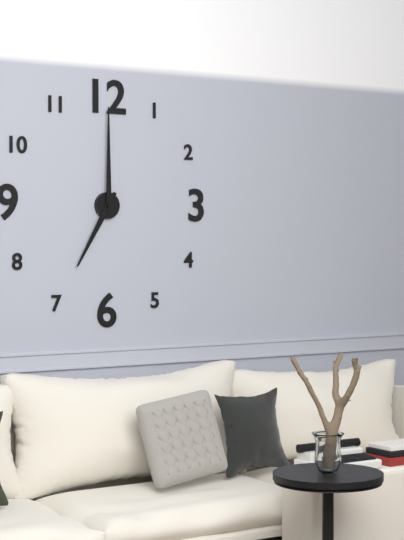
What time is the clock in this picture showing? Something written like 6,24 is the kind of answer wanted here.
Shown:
7,00
